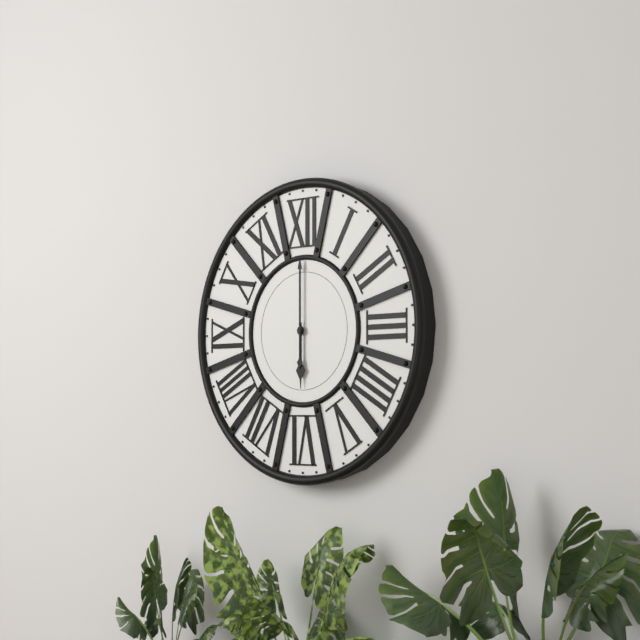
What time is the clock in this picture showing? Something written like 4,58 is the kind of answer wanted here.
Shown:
6,00
